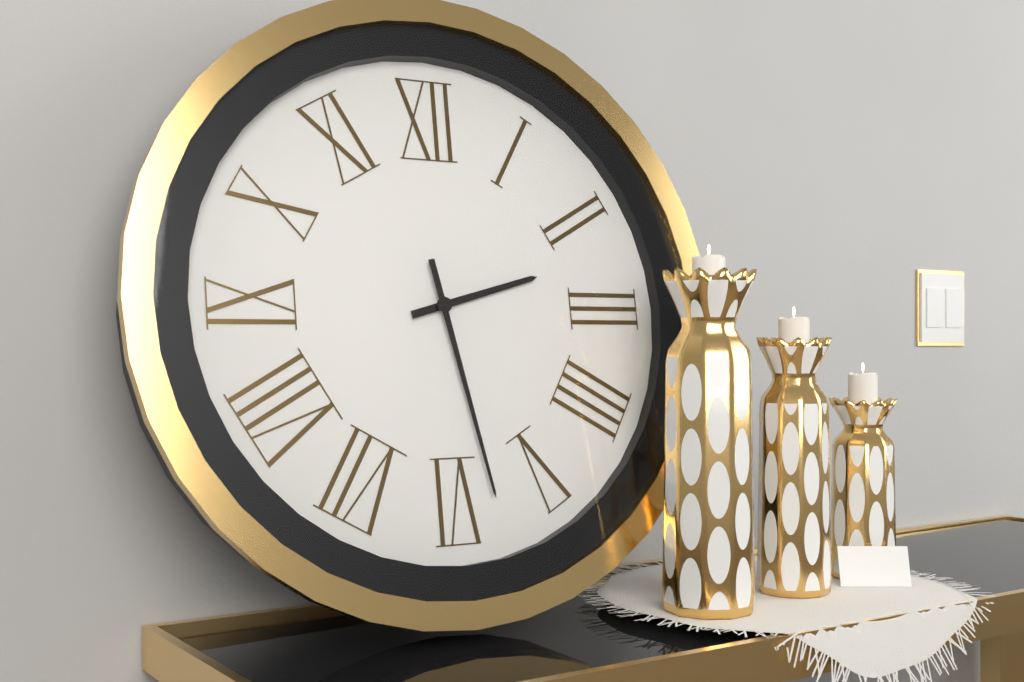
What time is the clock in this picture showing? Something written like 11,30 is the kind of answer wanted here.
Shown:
2,28
